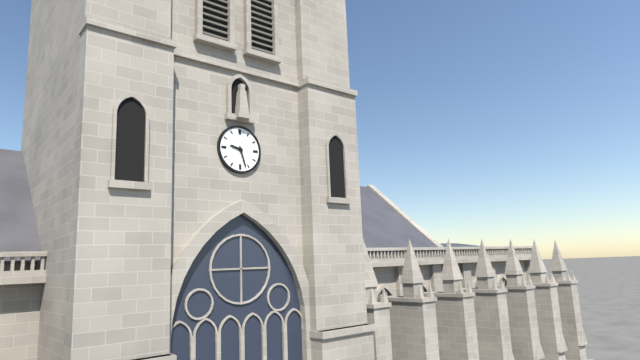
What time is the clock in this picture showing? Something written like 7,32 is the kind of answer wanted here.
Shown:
9,27
